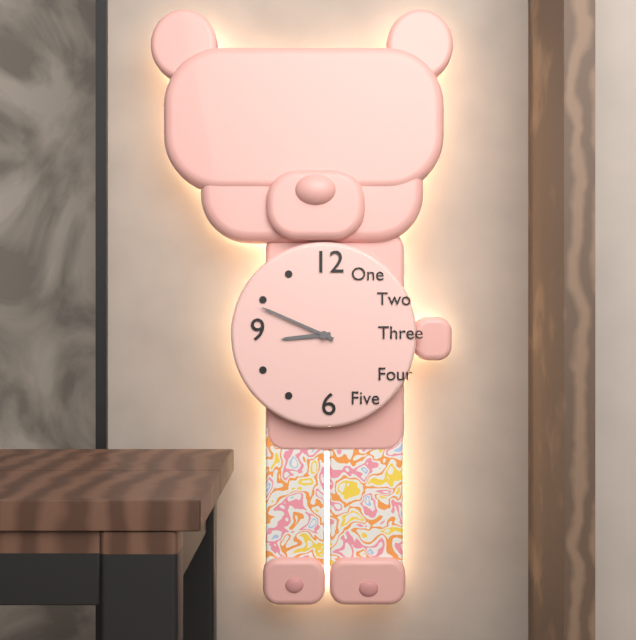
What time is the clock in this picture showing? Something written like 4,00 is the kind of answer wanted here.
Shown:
8,49
